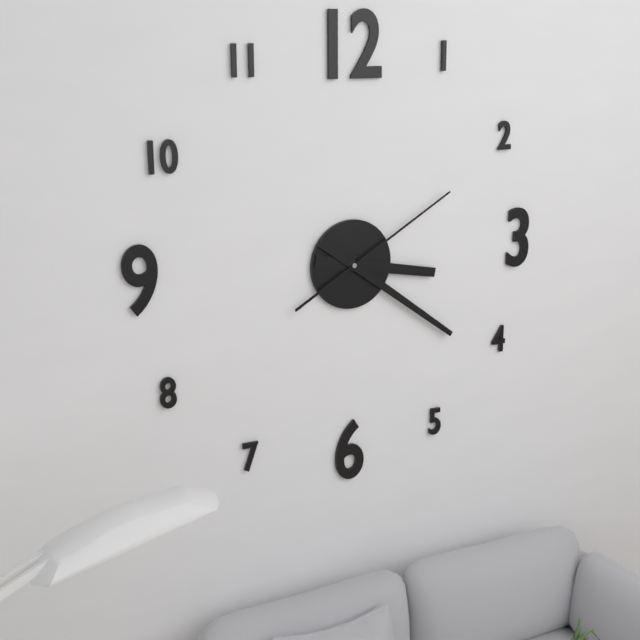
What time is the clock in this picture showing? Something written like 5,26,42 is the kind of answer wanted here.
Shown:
3,21,10
